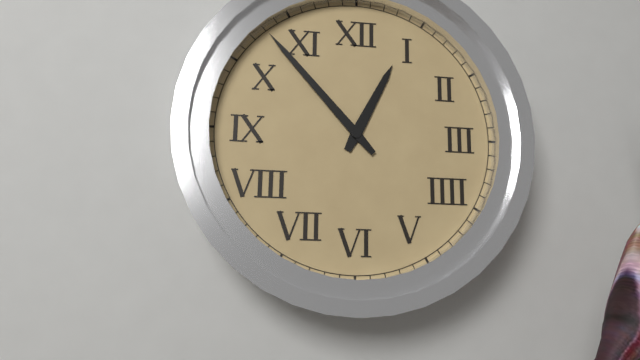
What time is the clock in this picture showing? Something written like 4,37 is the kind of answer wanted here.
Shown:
12,53
